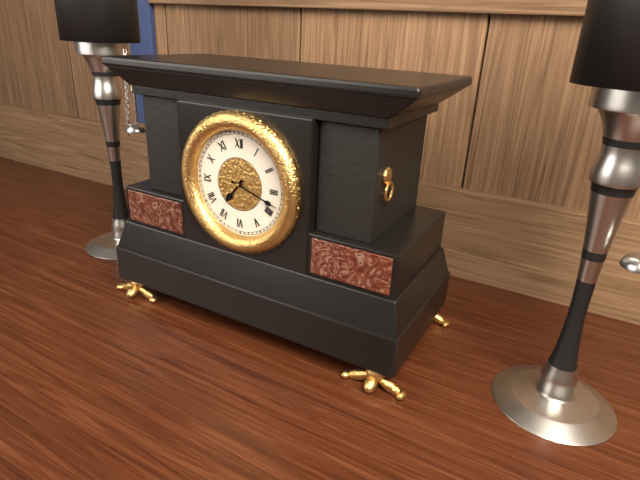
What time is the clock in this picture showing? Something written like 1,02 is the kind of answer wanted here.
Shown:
7,18
